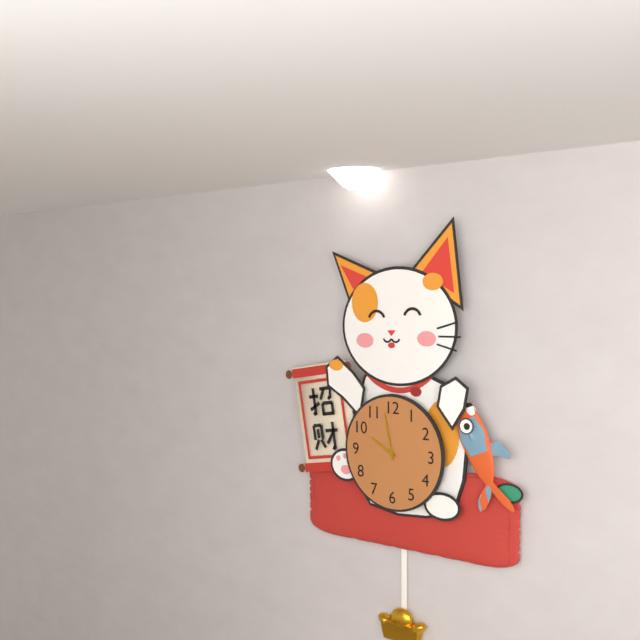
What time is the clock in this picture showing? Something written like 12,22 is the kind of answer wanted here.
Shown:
9,58
